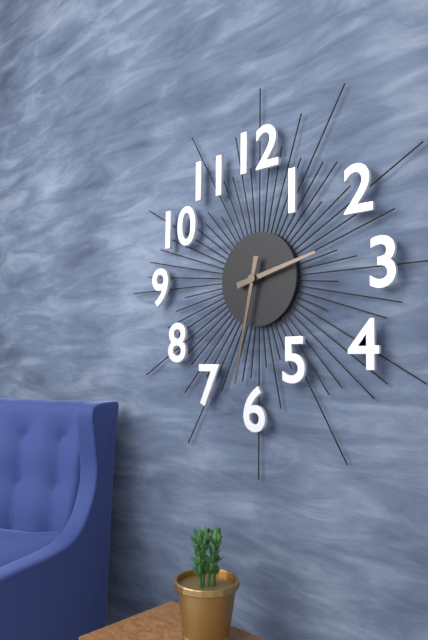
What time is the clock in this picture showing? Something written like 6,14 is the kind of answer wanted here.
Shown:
2,32
